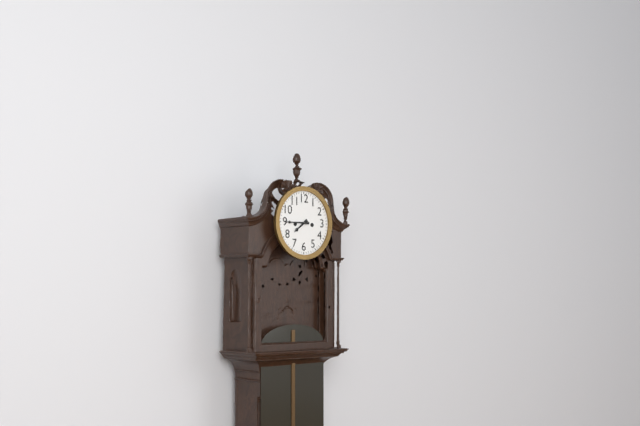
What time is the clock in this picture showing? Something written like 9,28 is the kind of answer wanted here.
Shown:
7,45
